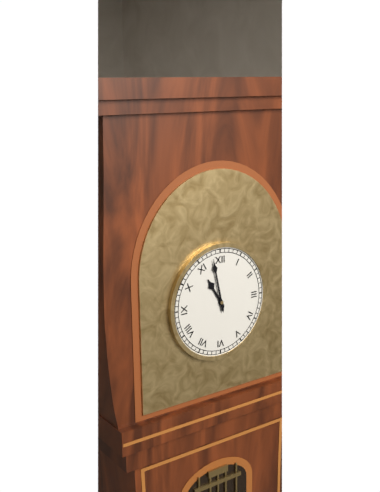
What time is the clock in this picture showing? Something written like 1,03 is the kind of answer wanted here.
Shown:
10,58
